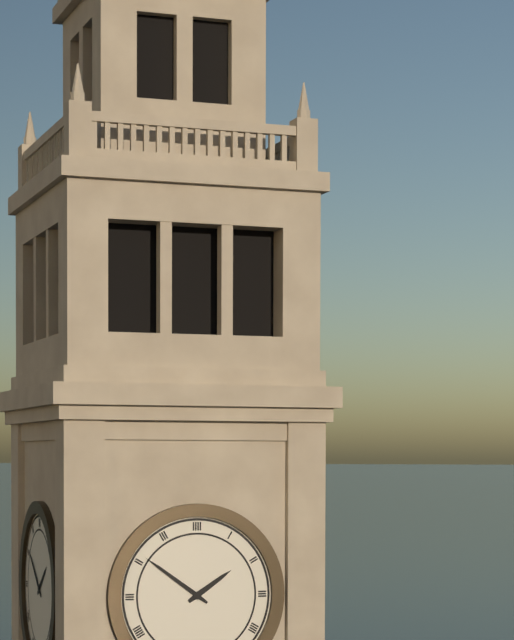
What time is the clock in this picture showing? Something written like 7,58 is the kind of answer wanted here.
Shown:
1,51
